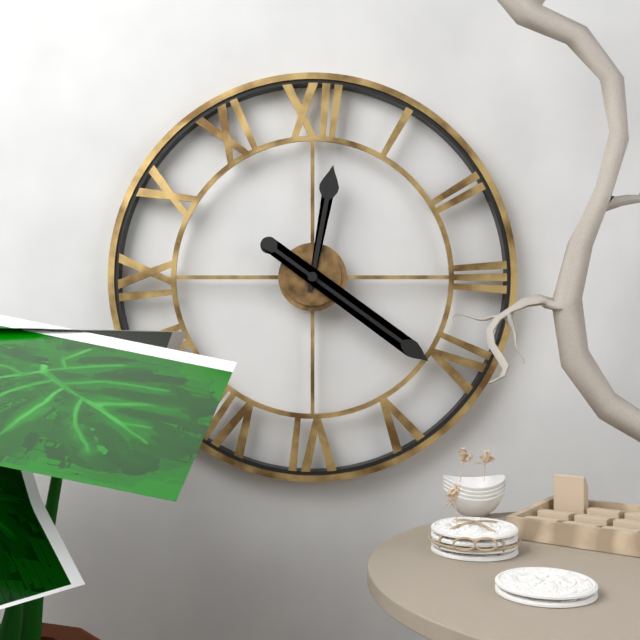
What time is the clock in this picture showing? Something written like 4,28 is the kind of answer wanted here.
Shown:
12,21
